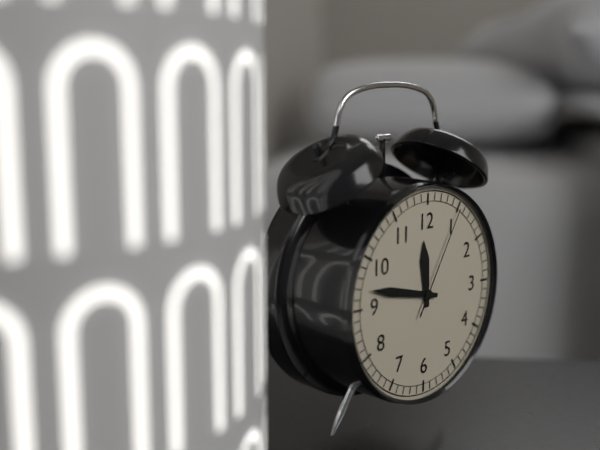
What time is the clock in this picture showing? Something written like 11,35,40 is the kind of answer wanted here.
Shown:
11,47,05
